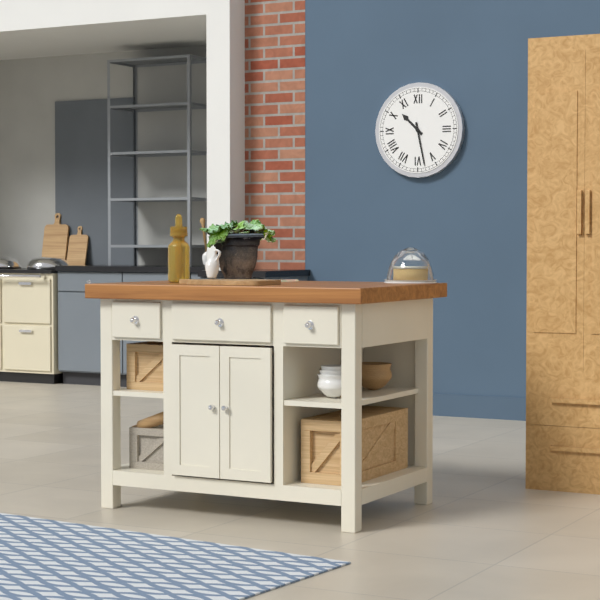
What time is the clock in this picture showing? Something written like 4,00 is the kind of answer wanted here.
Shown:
10,28
